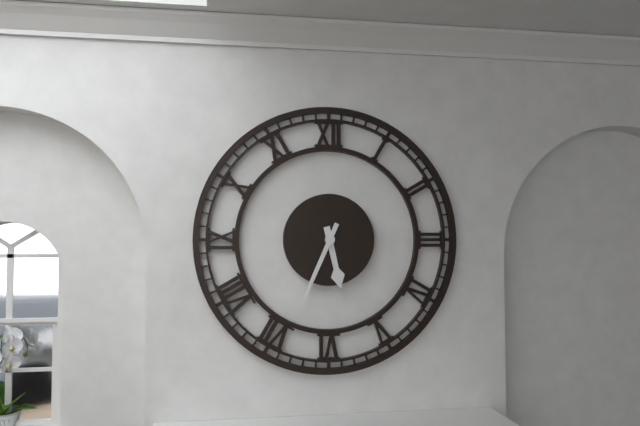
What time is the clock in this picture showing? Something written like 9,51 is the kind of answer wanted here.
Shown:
5,34
